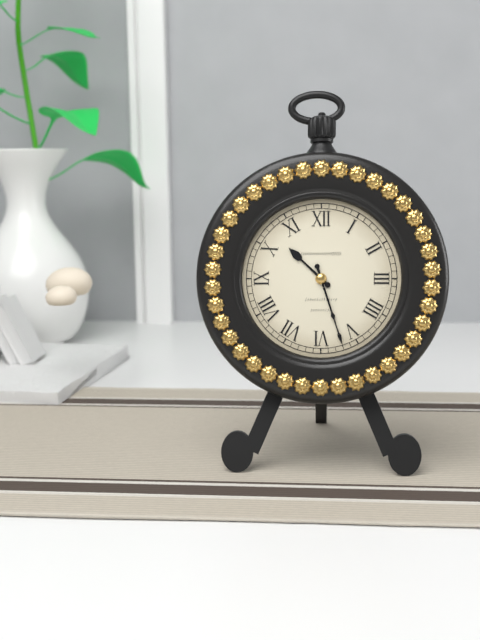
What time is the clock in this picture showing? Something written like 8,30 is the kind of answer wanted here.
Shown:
10,27
